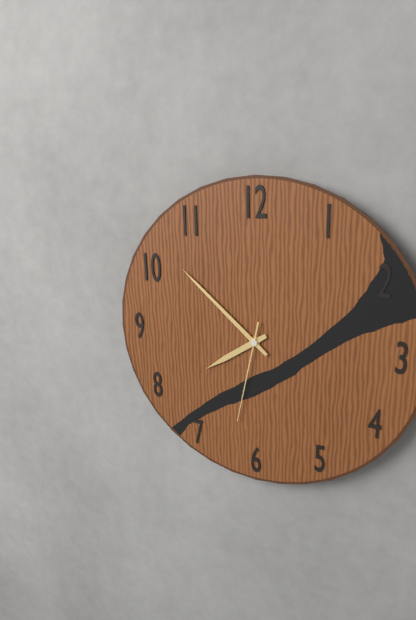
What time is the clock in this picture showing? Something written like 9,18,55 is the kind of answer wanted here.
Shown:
7,52,32
